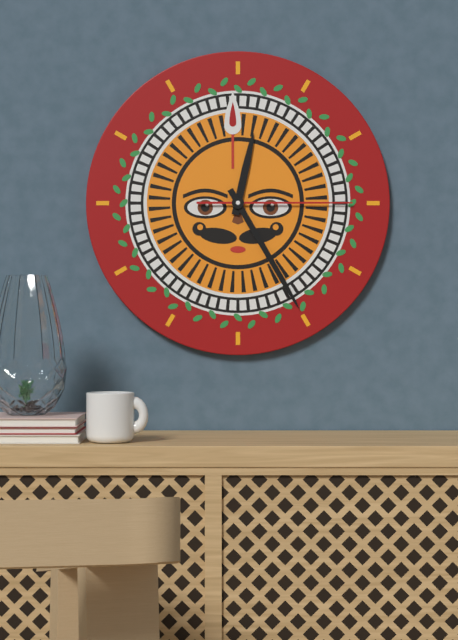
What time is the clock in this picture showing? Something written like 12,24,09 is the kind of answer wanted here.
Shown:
12,25,15
